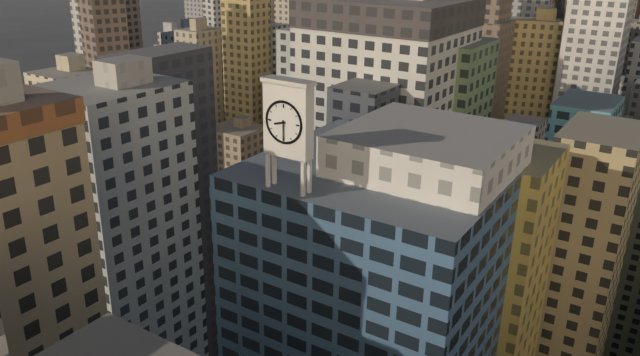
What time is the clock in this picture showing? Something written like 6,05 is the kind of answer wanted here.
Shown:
8,30
